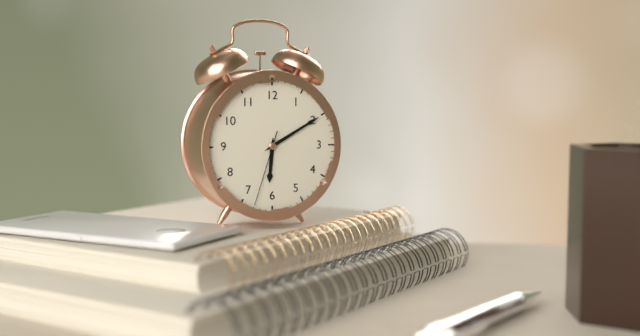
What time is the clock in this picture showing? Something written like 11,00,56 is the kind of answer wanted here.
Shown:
6,10,33
